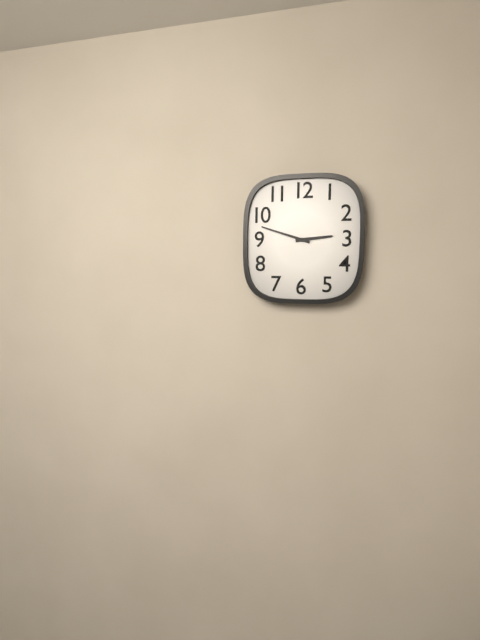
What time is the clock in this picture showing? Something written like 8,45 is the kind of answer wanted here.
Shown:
2,48
